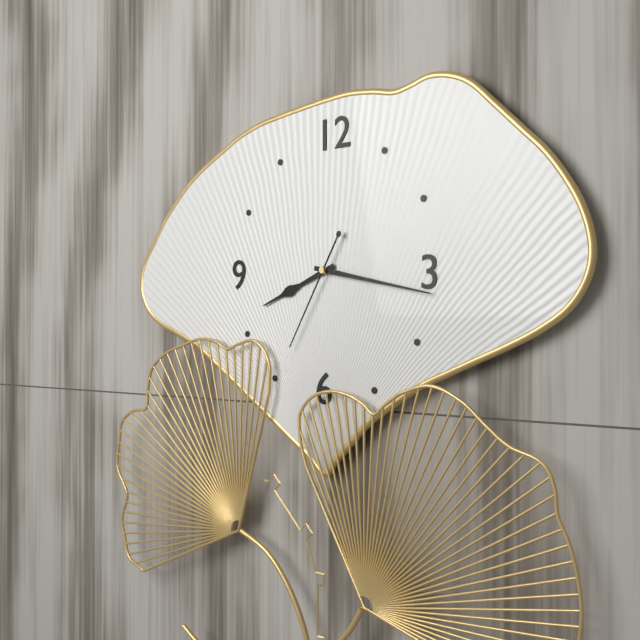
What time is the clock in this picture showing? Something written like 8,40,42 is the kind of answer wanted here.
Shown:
8,17,35
